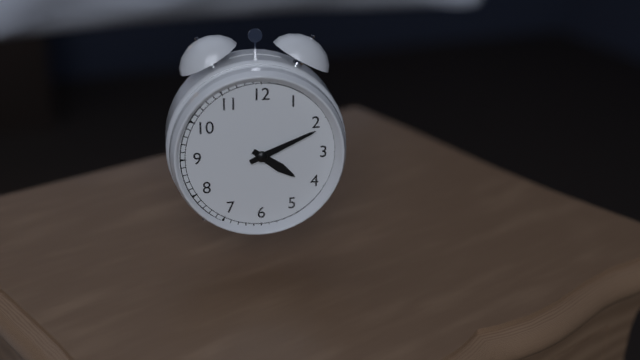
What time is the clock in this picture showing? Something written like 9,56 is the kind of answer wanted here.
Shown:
4,11
